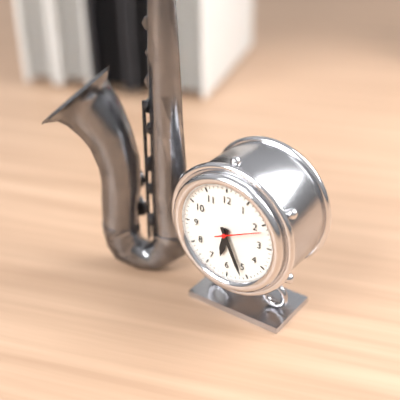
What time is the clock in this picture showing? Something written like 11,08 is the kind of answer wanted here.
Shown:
6,26
